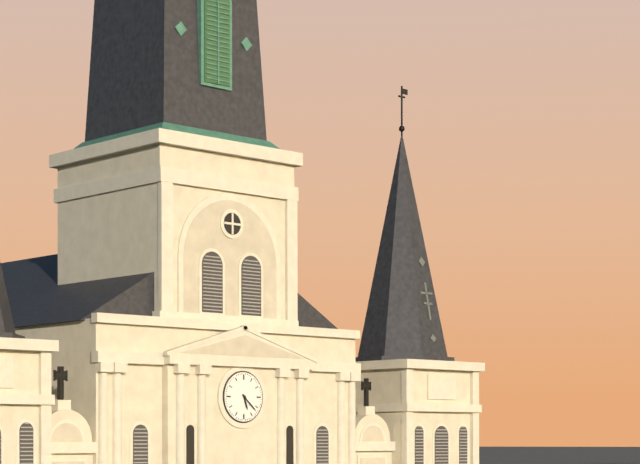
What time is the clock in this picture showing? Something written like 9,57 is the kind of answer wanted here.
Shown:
5,22
